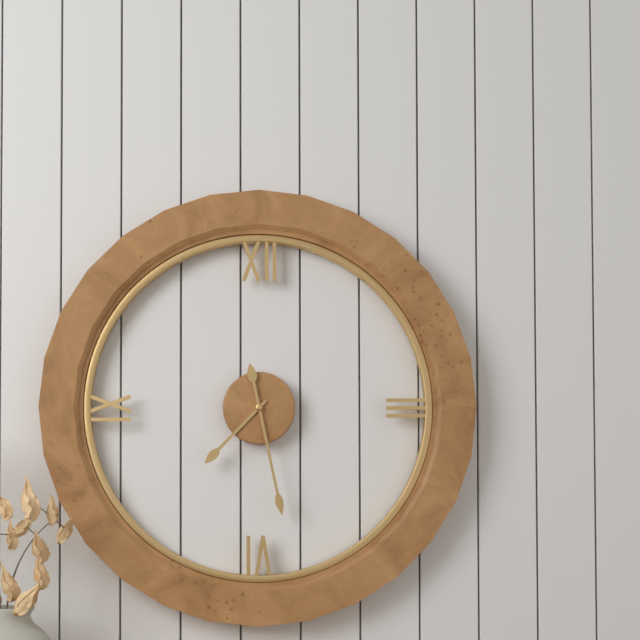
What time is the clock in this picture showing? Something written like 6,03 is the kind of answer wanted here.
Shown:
7,28
